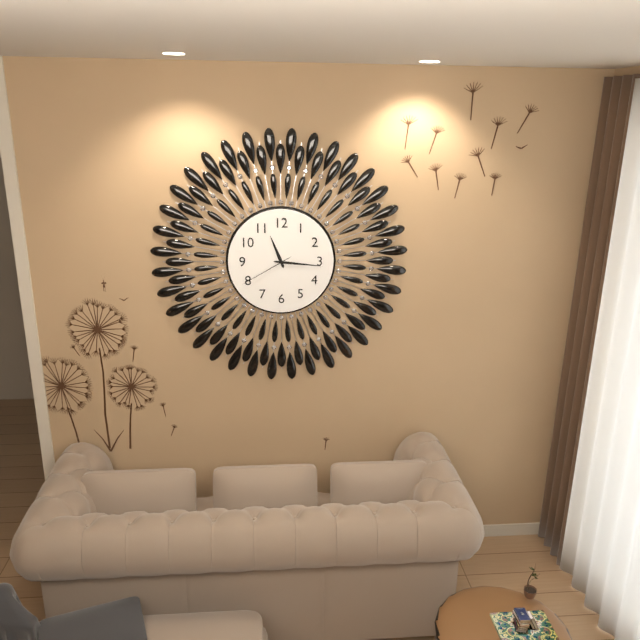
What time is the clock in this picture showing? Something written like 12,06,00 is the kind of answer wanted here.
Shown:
11,16,40
